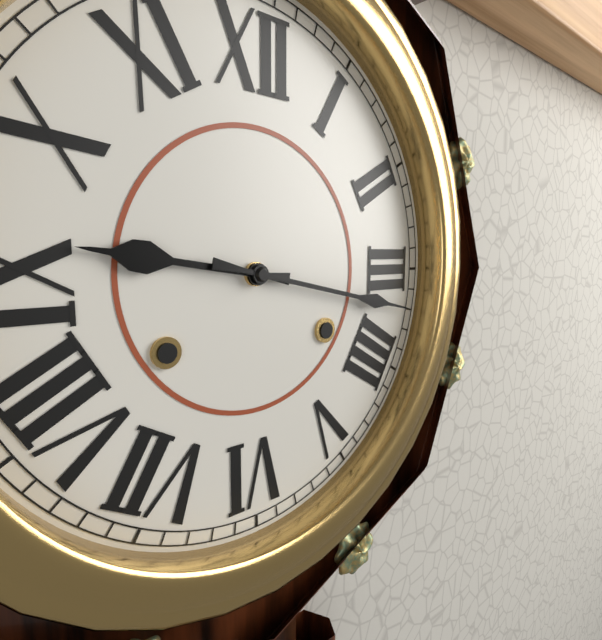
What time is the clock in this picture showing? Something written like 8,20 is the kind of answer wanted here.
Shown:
9,17
